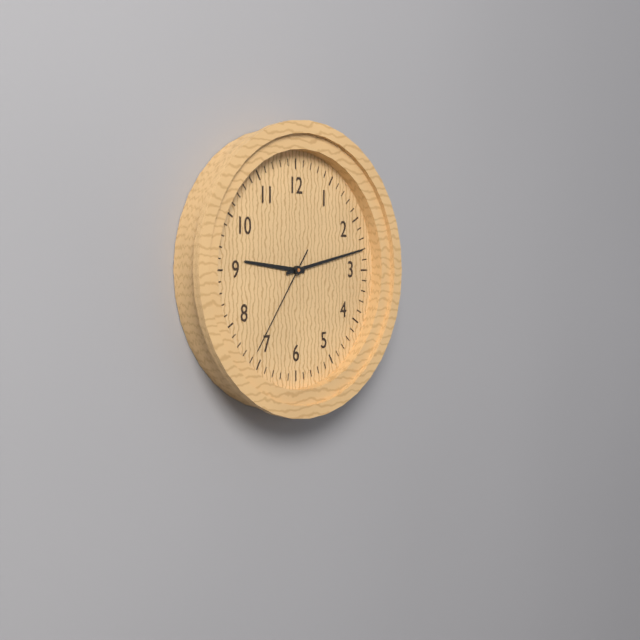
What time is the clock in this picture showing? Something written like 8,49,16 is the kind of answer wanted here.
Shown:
9,13,36
